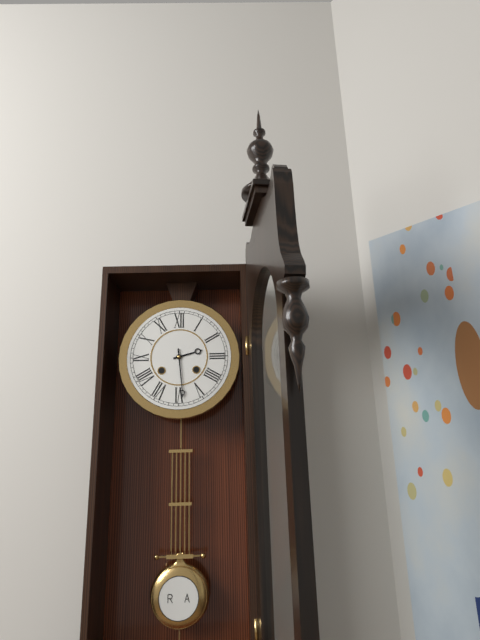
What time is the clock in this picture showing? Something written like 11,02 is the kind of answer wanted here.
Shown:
2,29
